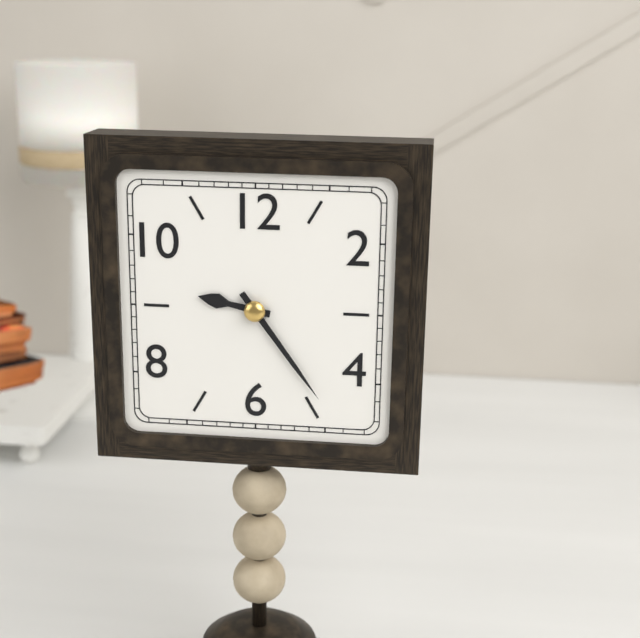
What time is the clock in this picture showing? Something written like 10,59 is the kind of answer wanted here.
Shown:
9,24
